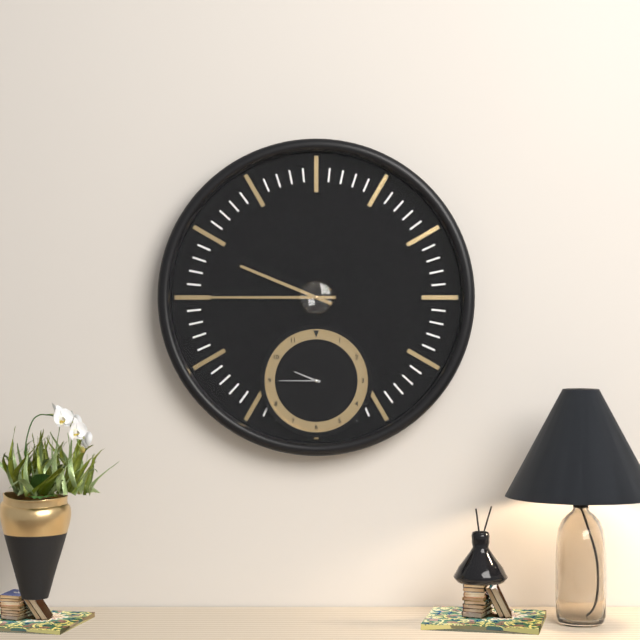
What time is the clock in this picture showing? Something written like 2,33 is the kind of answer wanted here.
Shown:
9,45
